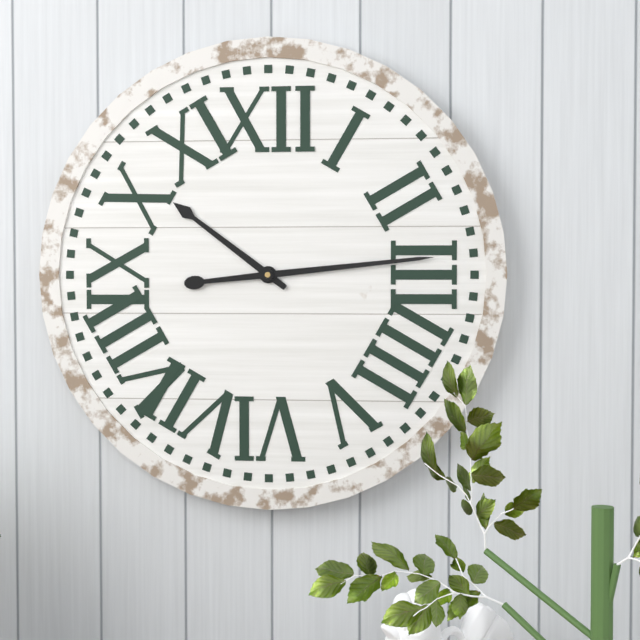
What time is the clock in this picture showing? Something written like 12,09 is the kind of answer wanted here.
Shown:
10,14
